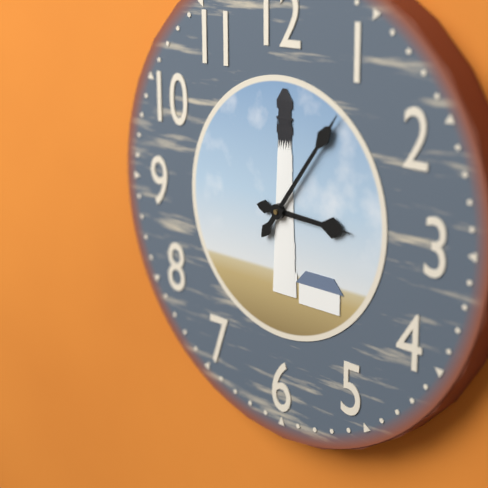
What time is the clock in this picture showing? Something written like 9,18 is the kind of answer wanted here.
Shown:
3,06
